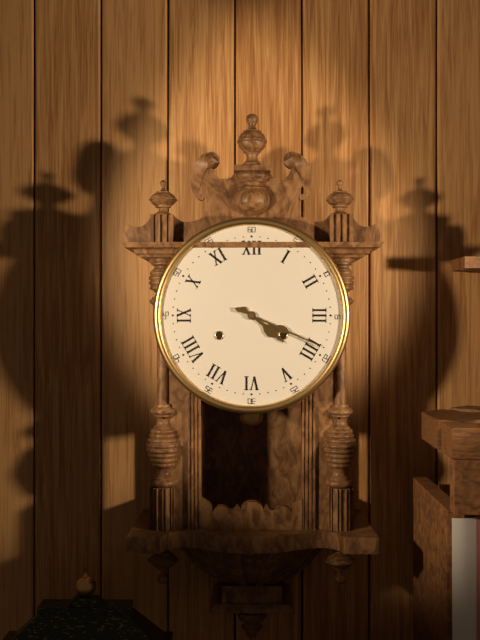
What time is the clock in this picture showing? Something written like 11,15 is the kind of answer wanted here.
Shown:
4,19
